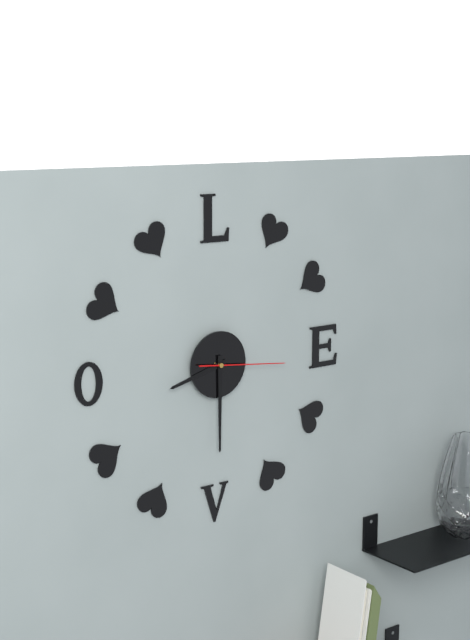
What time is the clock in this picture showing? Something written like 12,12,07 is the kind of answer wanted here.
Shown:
8,30,16
